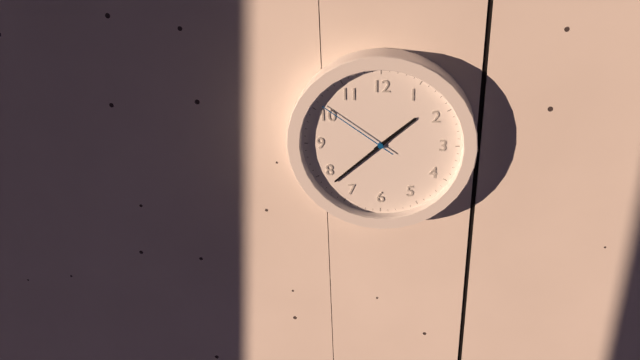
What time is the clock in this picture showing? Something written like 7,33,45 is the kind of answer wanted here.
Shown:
1,38,51
